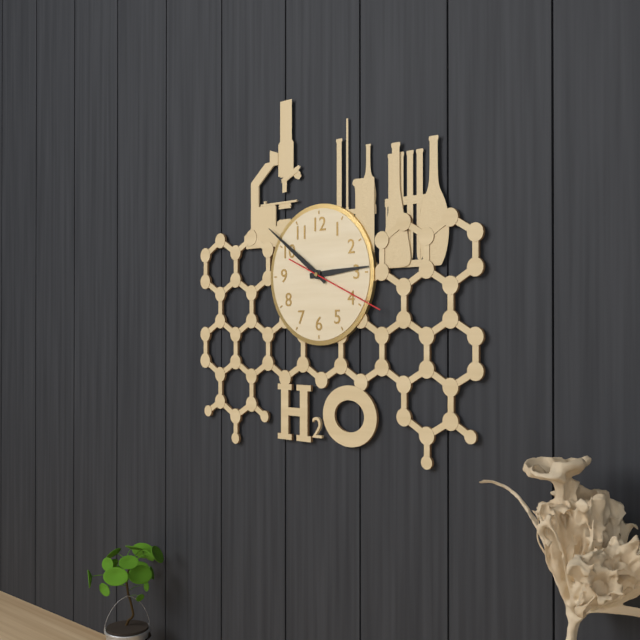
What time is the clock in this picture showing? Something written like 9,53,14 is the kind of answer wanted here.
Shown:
2,51,19
